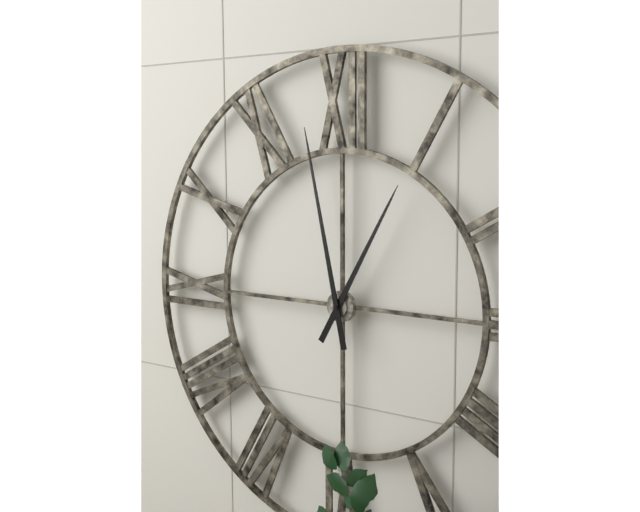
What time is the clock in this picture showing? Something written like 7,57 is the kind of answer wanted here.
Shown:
12,58
